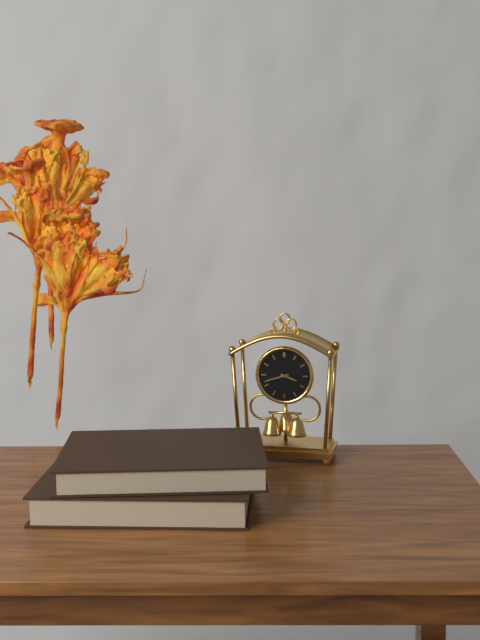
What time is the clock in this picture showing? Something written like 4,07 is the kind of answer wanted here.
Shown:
3,42
